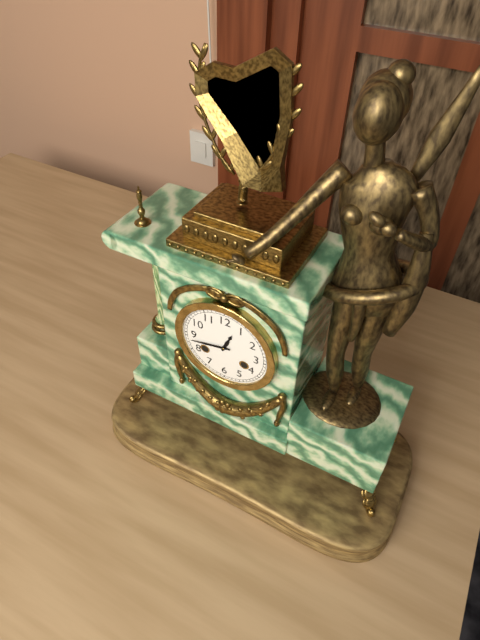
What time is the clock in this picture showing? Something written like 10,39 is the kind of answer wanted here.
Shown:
12,43
